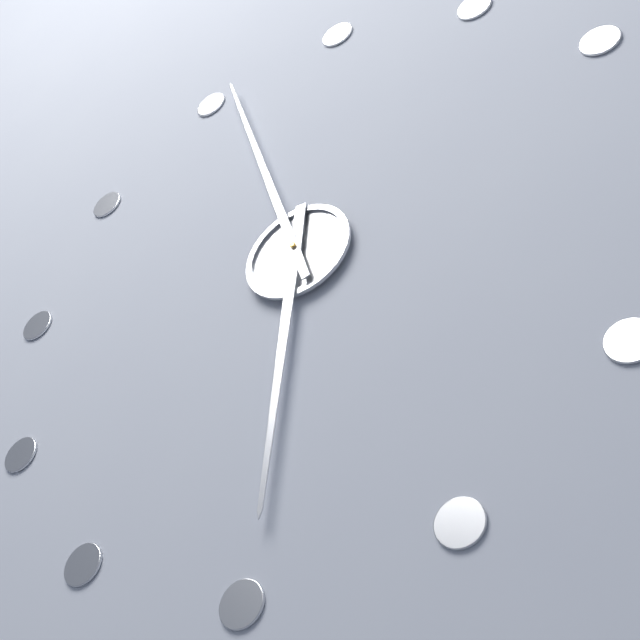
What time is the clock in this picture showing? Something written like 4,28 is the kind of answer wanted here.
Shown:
5,56
